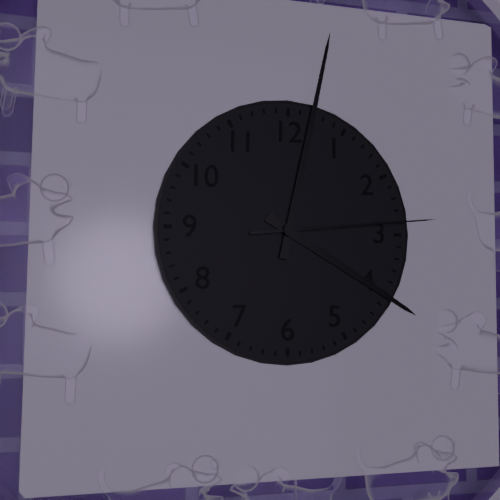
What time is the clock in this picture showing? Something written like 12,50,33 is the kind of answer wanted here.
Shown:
4,02,14
